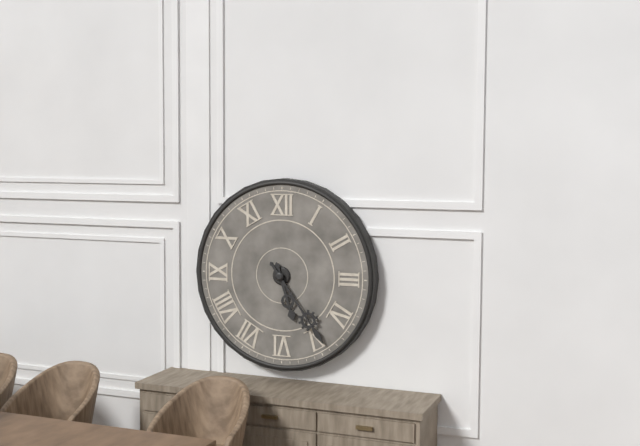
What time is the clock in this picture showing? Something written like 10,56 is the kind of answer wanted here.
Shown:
5,24
